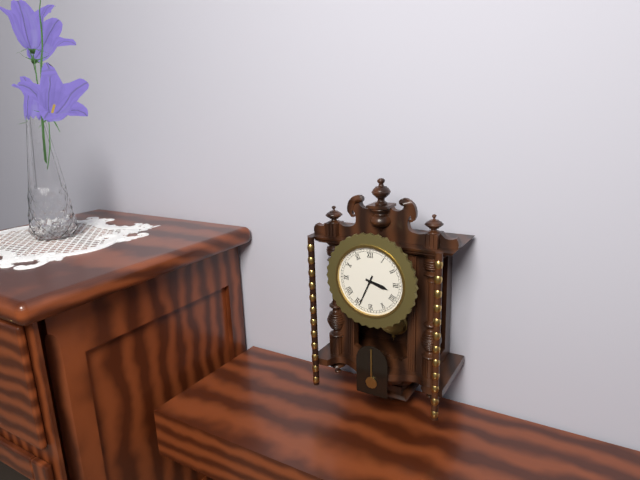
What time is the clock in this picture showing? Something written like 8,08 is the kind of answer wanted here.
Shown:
3,34
